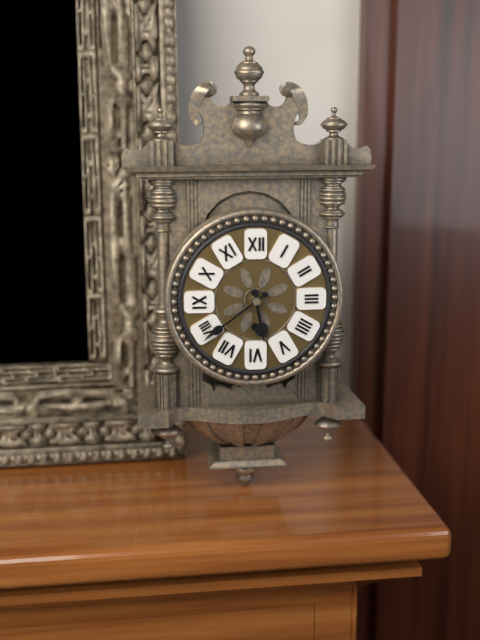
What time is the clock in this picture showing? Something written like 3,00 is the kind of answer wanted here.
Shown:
5,39
